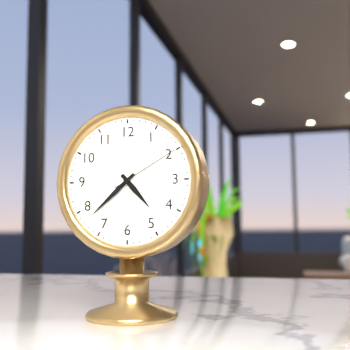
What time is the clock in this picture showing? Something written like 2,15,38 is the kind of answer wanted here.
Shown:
4,38,10
